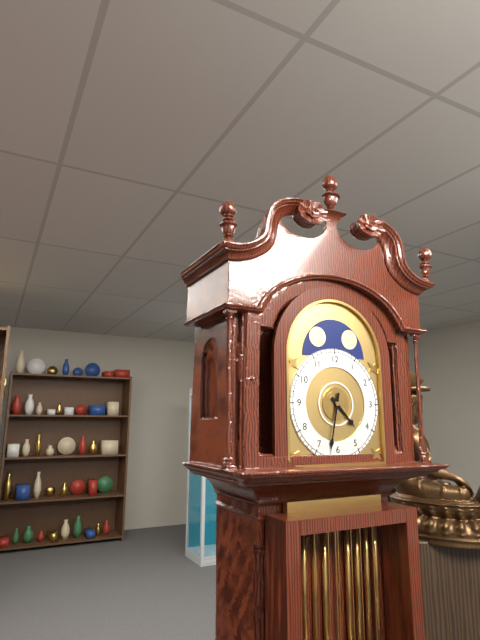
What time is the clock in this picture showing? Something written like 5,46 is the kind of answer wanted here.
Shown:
4,32
